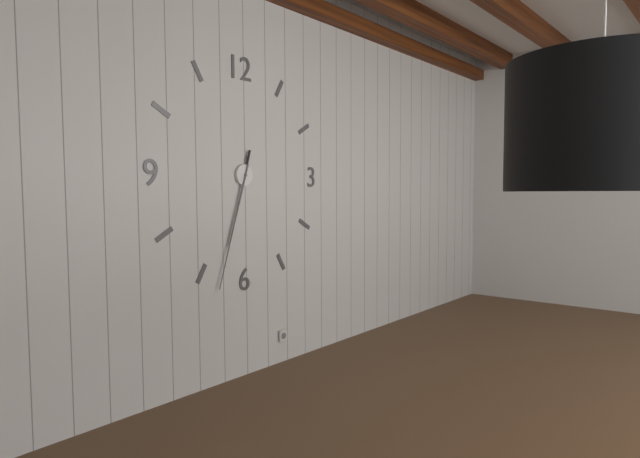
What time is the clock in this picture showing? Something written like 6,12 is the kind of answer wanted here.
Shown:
6,33
